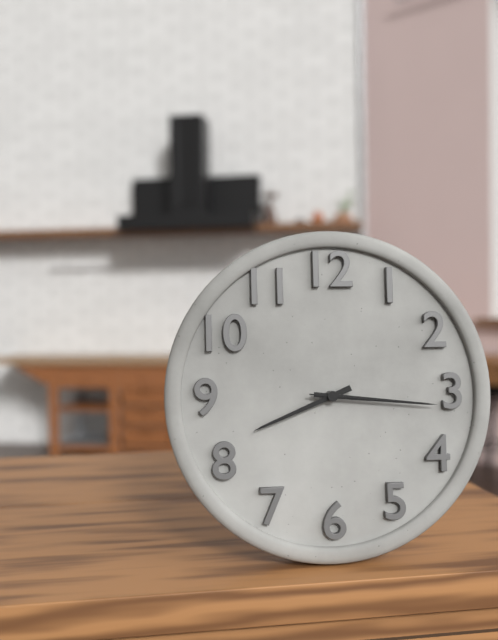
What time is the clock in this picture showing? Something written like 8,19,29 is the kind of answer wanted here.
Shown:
8,16,16
